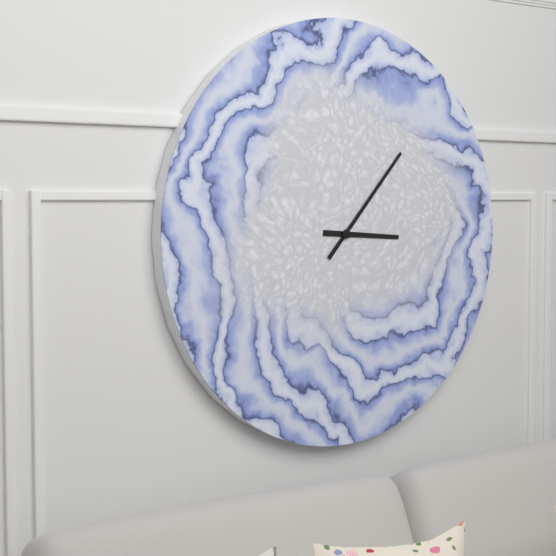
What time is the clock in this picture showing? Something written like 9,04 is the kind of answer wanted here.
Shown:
3,07
